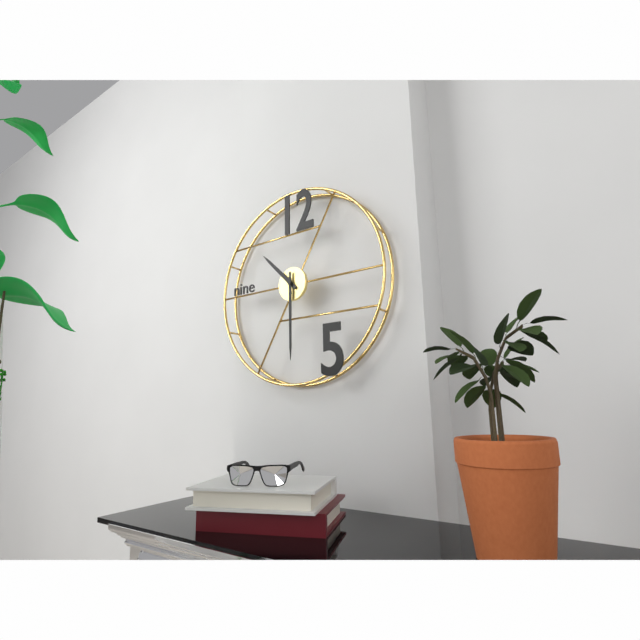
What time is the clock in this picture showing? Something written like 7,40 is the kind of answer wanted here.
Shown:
10,30
